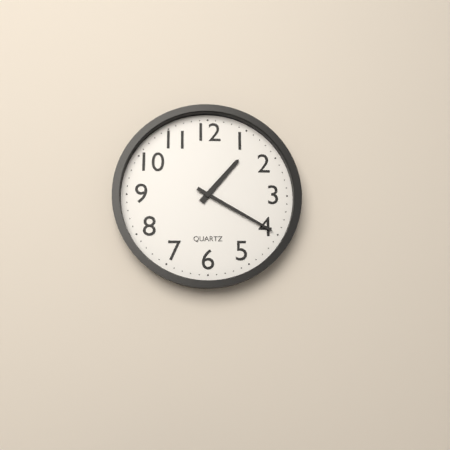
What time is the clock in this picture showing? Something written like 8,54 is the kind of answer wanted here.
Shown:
1,20
